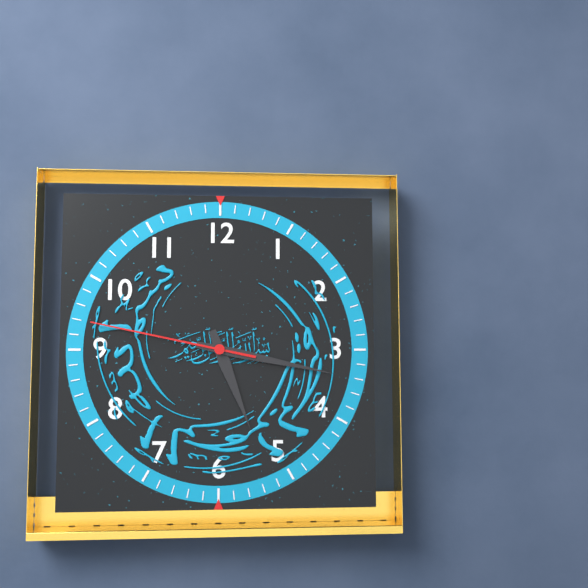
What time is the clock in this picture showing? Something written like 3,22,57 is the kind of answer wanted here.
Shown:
5,17,47
